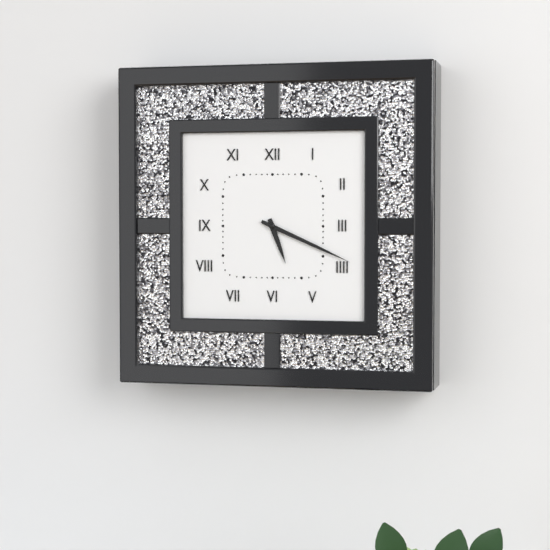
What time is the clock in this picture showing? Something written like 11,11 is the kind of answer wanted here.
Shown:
5,19
